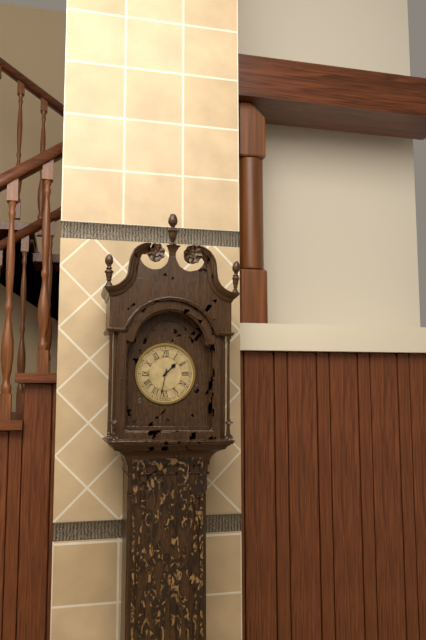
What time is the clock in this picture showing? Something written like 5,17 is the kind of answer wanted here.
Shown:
1,32
